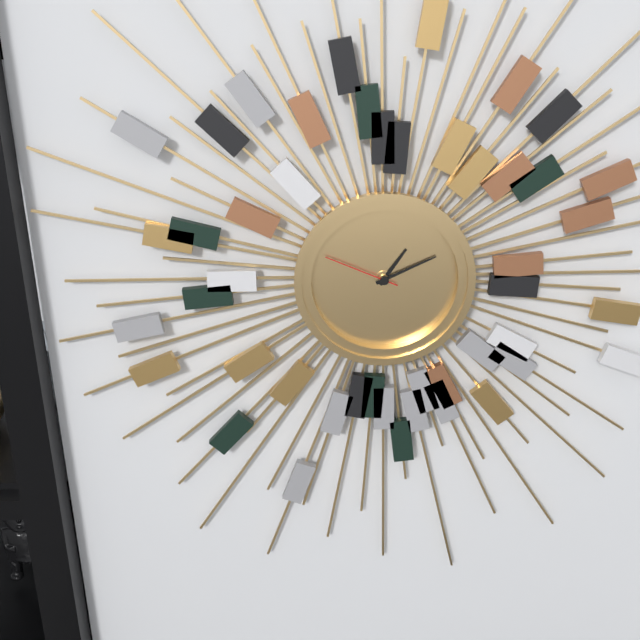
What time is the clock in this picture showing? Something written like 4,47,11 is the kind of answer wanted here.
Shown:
1,11,49
